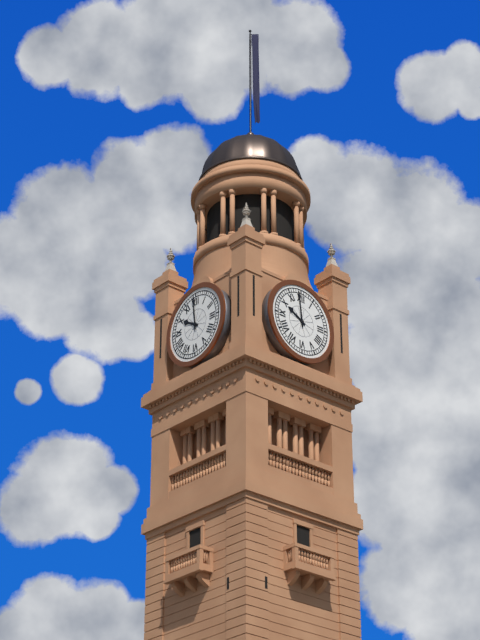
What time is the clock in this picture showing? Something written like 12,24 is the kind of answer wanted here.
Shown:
9,59
